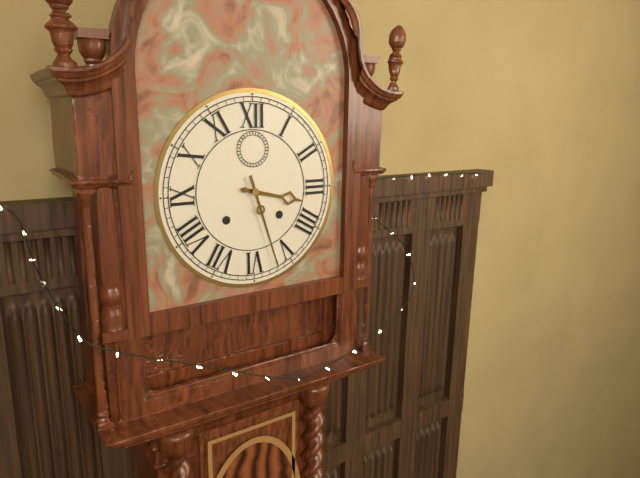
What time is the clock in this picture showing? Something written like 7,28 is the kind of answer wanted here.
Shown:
3,27
